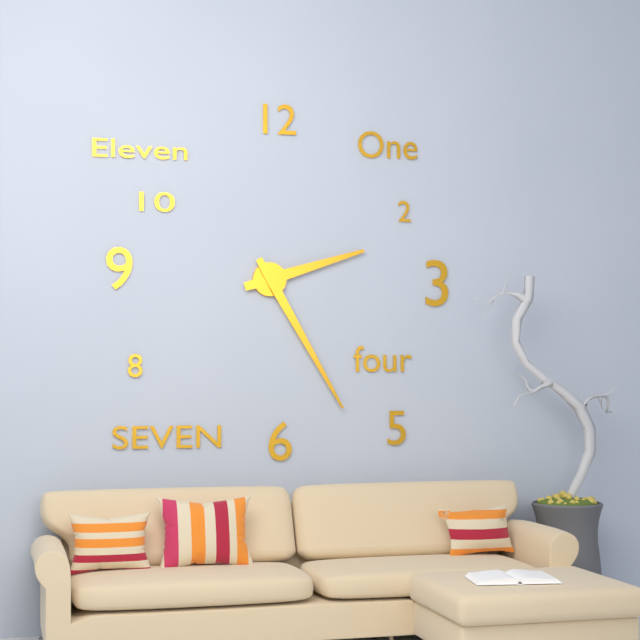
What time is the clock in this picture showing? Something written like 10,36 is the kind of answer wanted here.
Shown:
2,25
